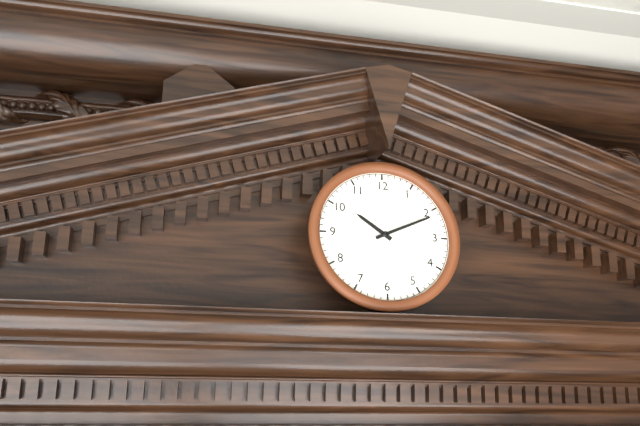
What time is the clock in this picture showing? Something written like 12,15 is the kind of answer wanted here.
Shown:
10,11
